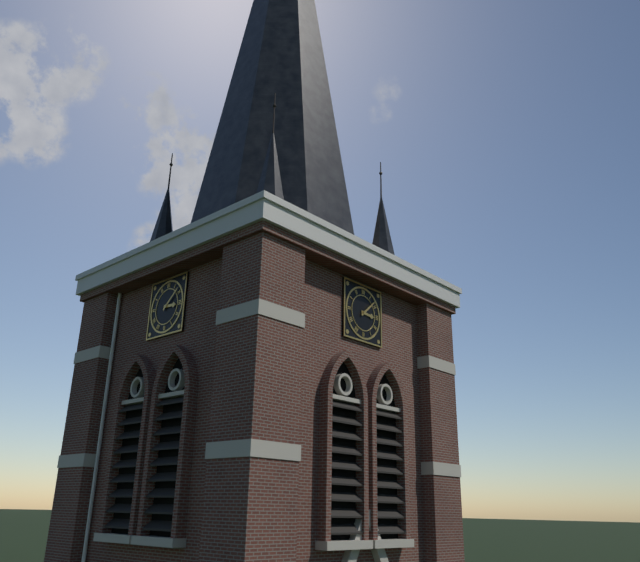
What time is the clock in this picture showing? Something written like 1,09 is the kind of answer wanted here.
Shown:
3,08
